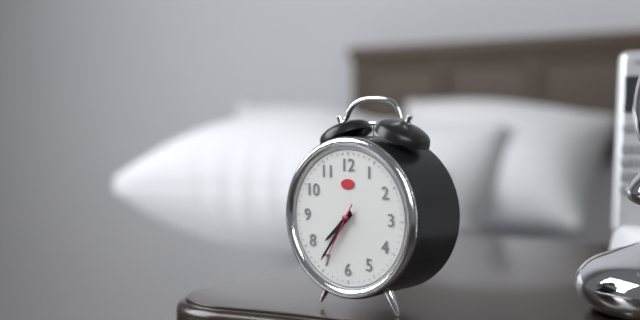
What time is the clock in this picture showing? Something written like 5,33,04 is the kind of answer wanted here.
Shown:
7,36,35
